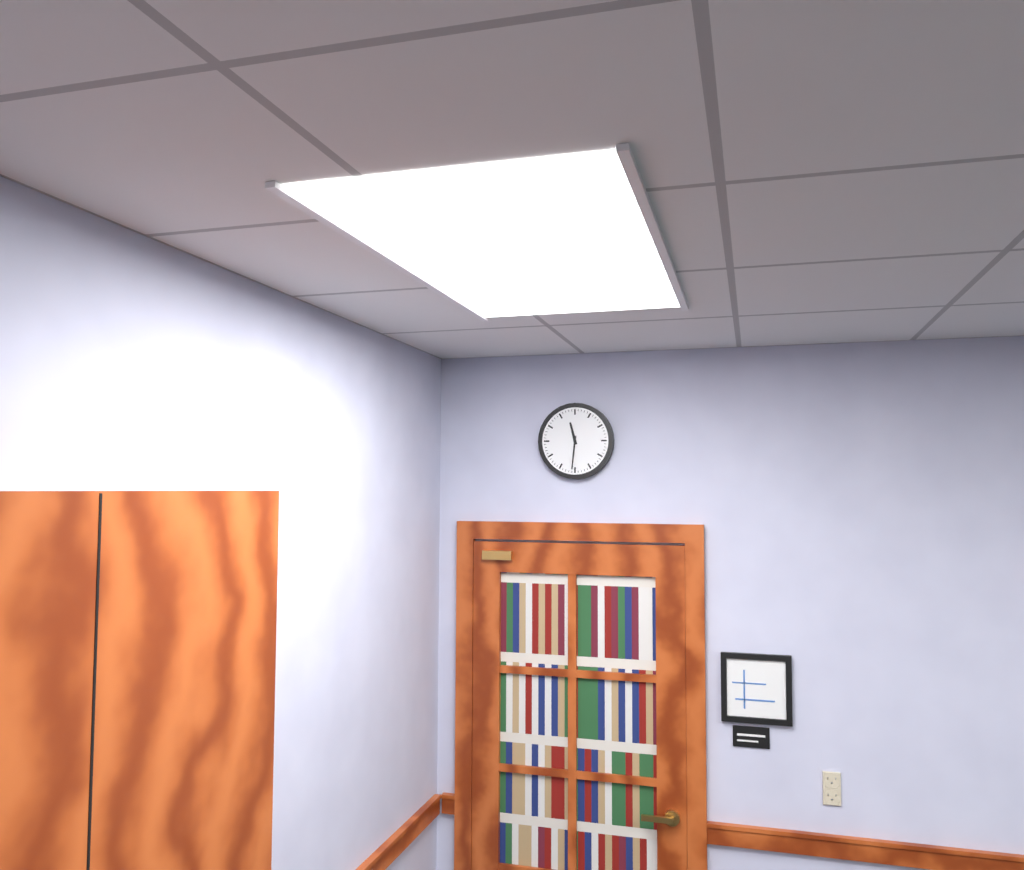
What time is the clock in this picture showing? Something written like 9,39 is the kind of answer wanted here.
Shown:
11,31
